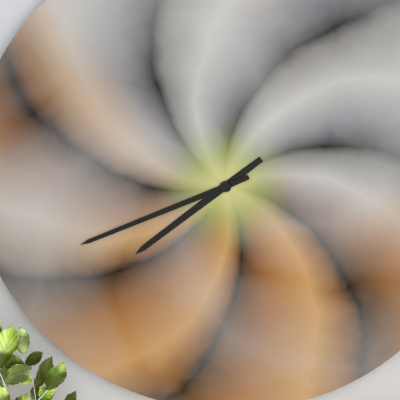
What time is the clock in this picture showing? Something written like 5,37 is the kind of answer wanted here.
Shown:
7,41
